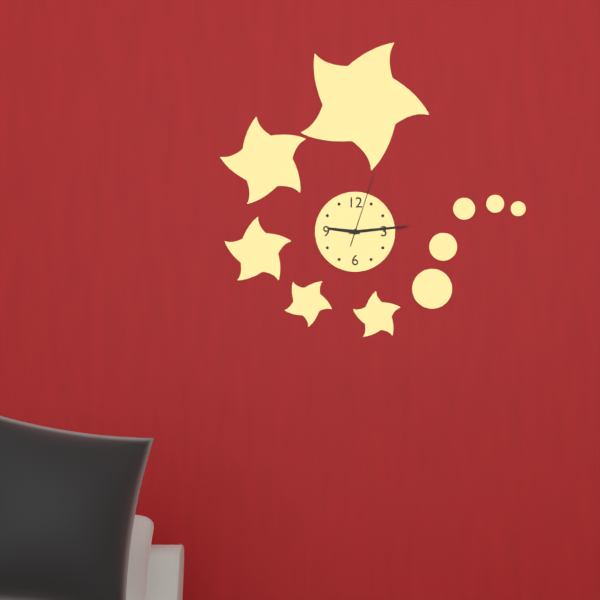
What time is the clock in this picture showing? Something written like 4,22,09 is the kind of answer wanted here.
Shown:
9,14,03
